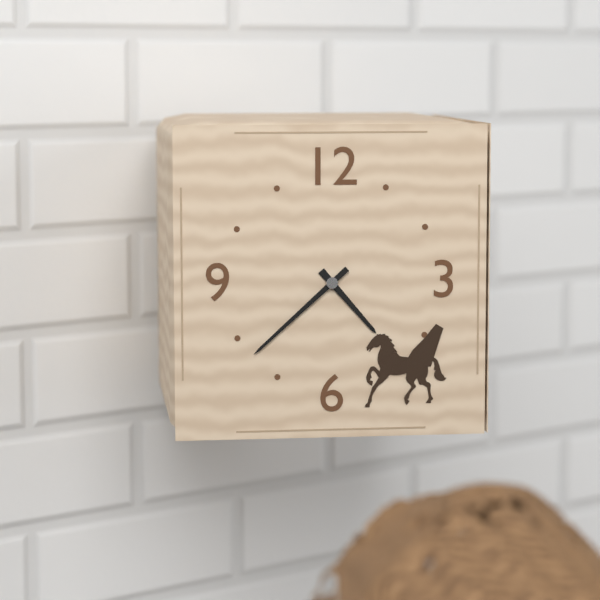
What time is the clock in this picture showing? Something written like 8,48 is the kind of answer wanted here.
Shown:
4,38
